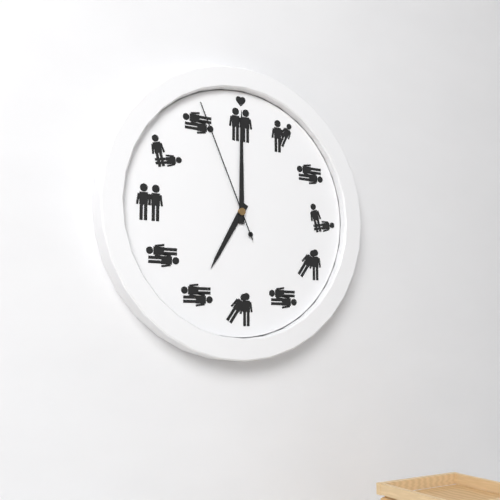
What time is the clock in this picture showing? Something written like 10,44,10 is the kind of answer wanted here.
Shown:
7,00,56
